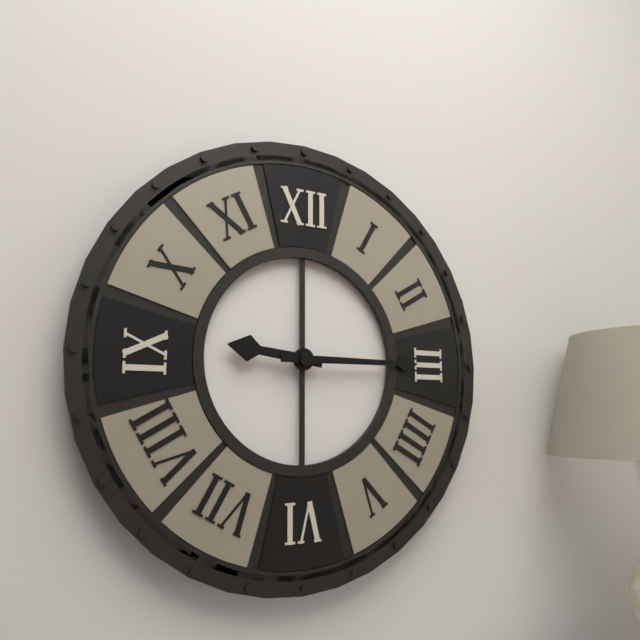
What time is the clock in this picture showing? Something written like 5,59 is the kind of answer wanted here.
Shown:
9,15
